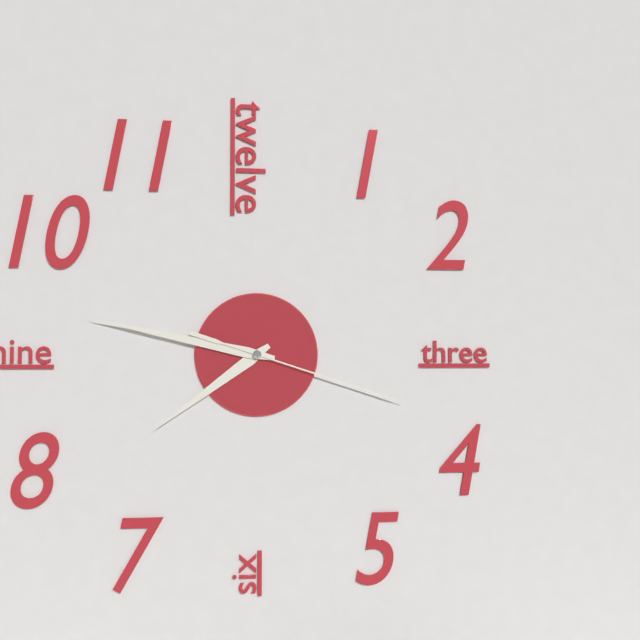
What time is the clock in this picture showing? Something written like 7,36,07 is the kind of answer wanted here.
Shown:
7,47,18
